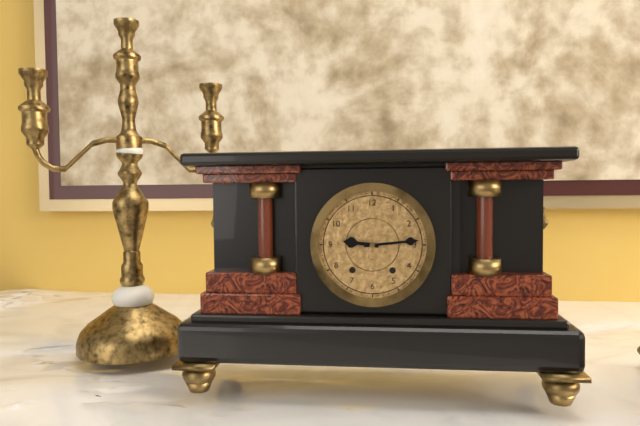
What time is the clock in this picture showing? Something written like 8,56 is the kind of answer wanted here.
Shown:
9,14
